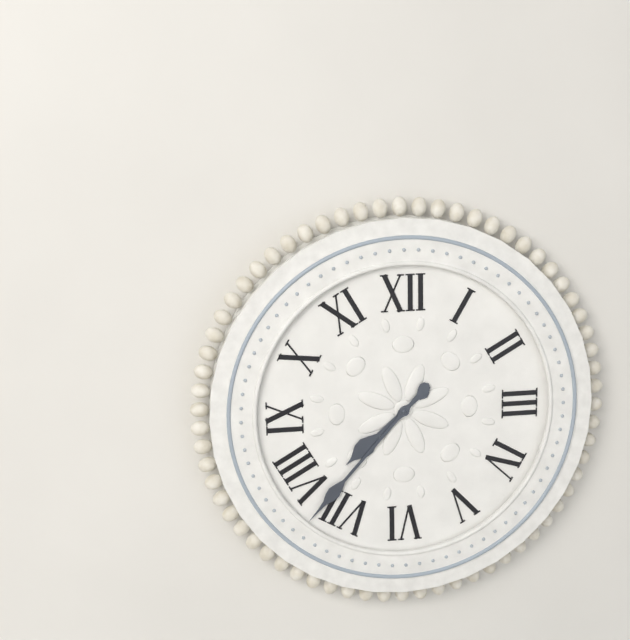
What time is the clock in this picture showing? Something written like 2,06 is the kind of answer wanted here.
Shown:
7,37
